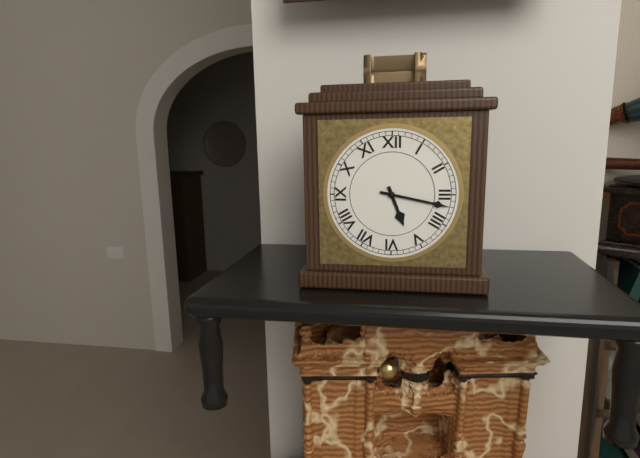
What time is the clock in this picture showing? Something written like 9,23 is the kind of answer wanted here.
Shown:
5,17
